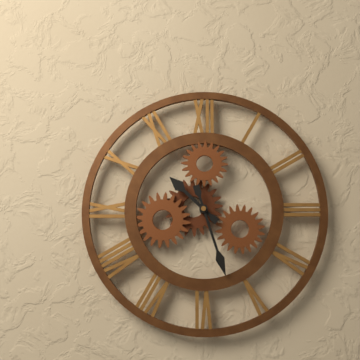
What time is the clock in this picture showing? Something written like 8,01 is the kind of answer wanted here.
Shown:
10,27
